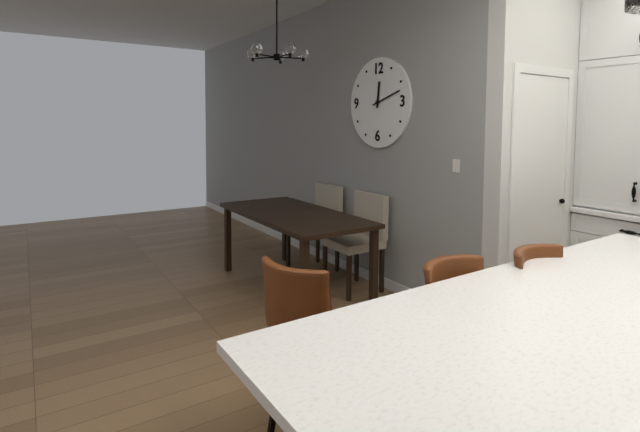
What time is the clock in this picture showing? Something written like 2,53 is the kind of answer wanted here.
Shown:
12,12
